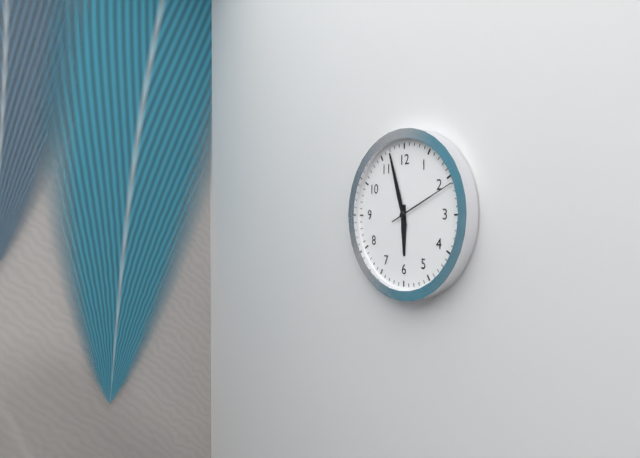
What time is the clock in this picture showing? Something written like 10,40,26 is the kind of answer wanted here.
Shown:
5,57,11
